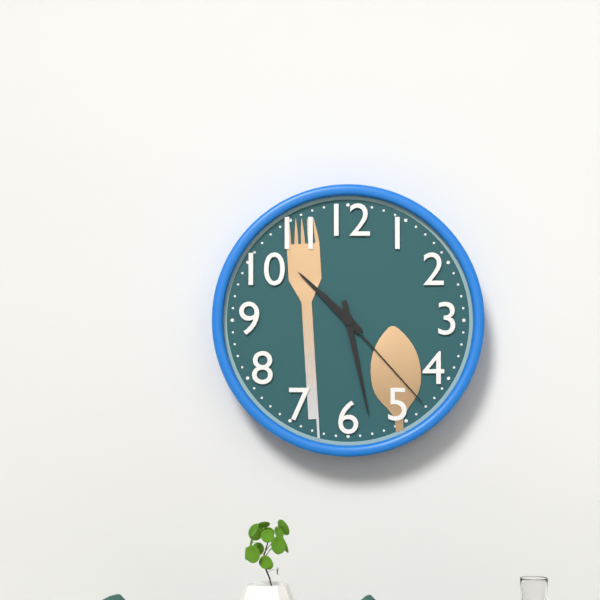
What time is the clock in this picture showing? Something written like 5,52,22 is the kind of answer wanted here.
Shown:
10,28,23
